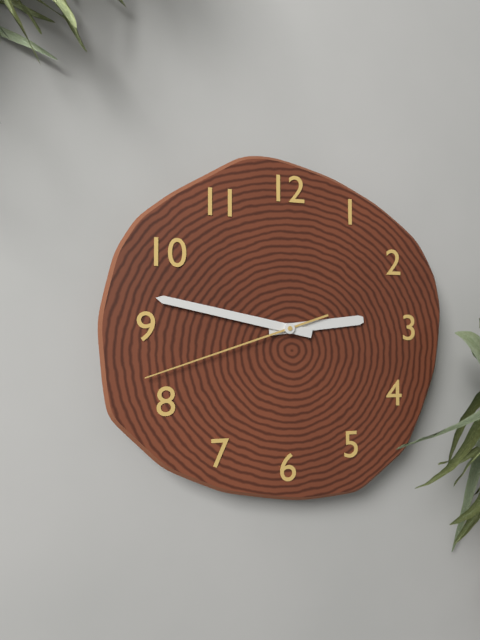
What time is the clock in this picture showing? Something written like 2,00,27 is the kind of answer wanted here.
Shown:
2,47,42
